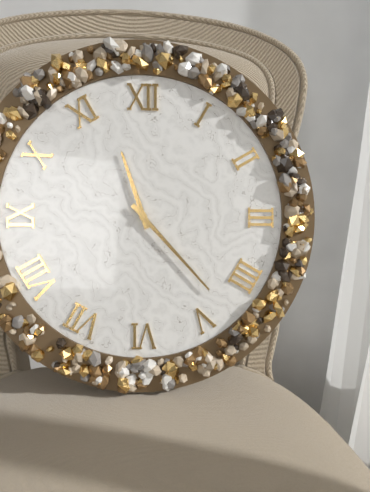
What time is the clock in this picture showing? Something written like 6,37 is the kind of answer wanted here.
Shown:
11,23
